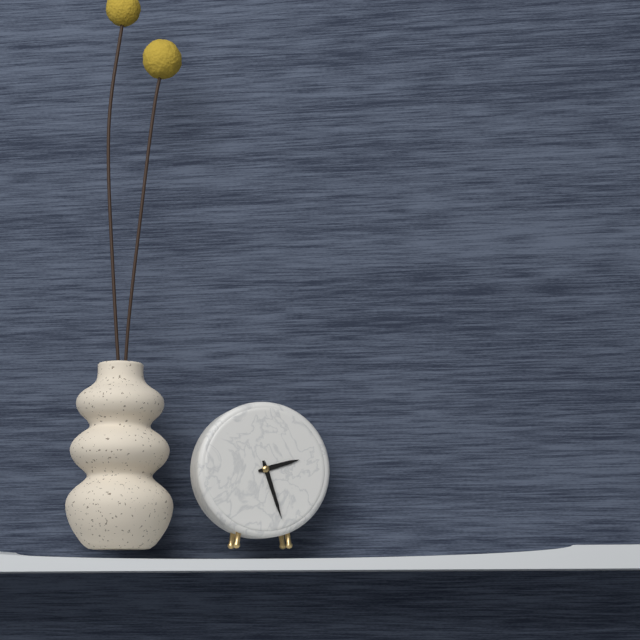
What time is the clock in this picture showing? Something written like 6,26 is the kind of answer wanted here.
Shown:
2,27
